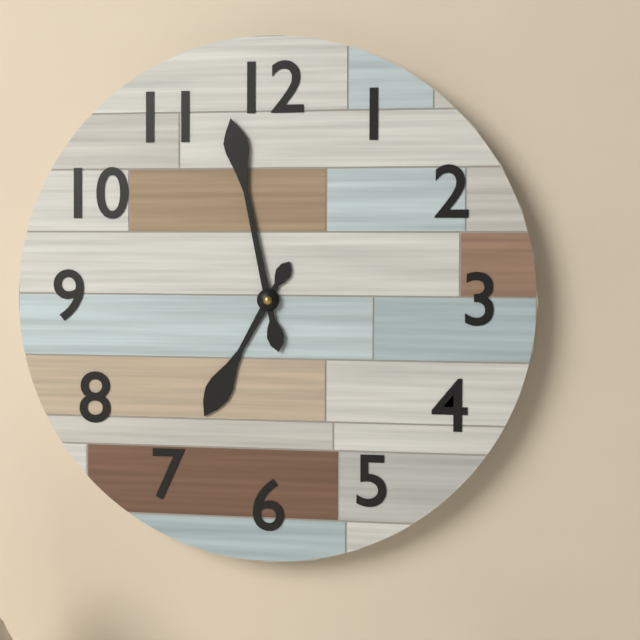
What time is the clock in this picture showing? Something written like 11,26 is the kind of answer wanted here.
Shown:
6,58
